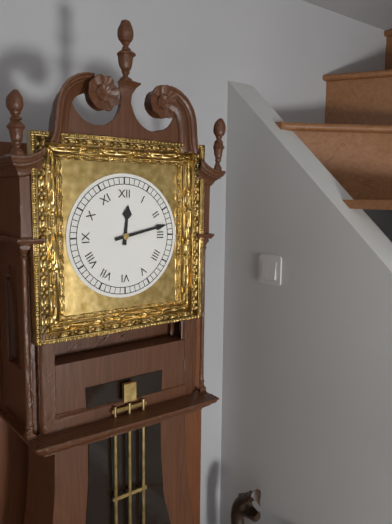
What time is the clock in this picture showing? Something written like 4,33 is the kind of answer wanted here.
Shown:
12,13
